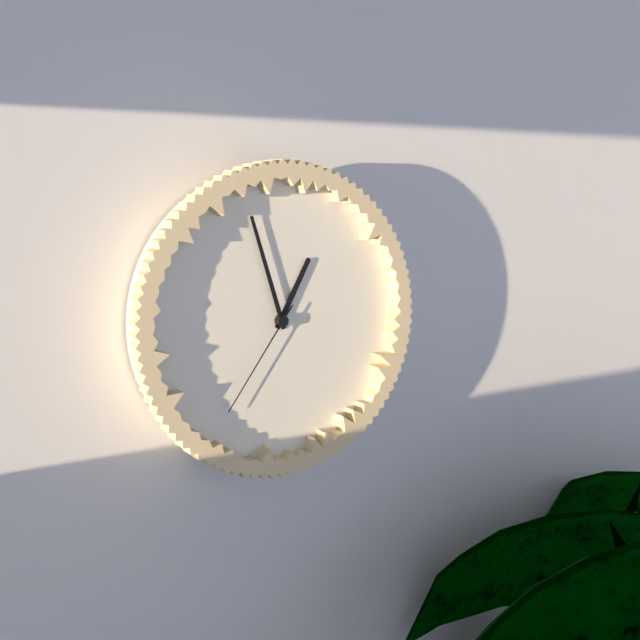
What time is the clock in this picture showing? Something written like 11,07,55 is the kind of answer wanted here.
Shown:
12,57,36
